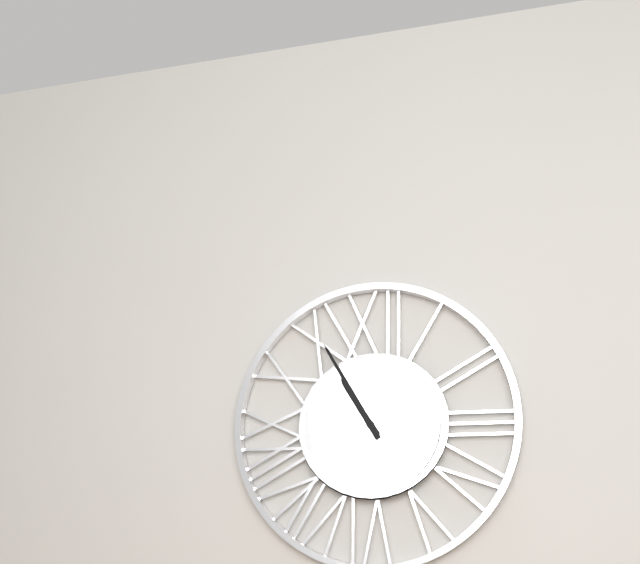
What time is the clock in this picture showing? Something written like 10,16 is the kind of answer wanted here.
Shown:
10,55
